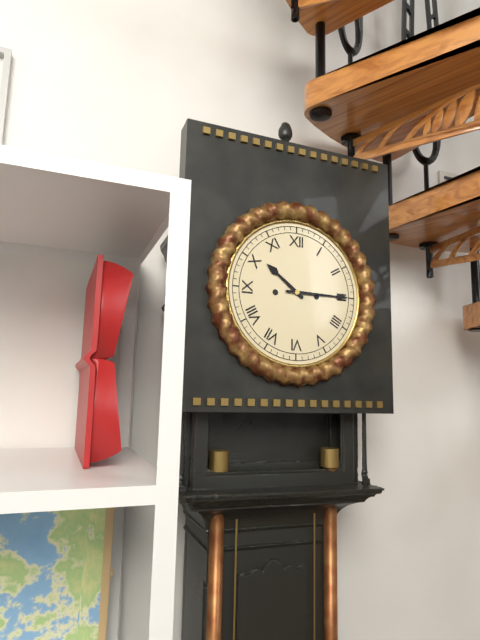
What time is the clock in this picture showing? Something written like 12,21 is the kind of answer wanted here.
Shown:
10,15
